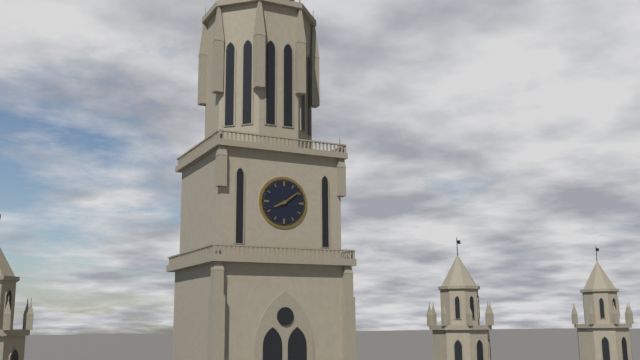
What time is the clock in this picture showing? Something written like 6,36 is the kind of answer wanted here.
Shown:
8,09
